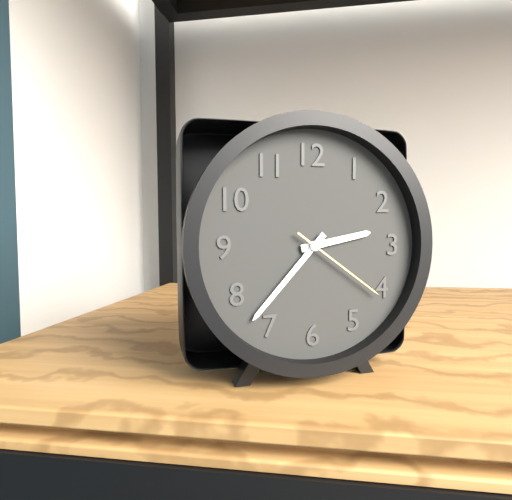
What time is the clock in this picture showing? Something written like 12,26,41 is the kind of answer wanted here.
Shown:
2,37,21
